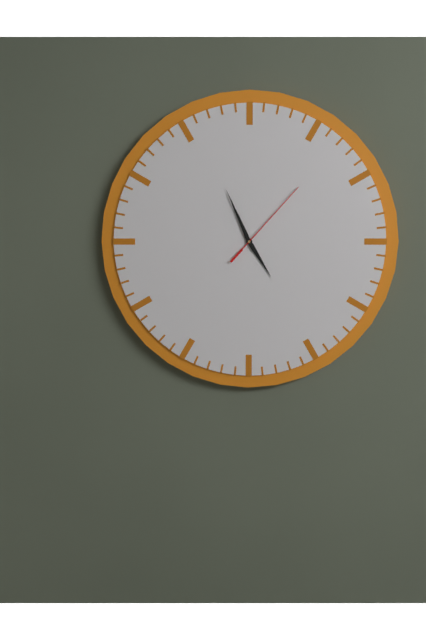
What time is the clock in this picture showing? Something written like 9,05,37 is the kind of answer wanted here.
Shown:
4,56,07
